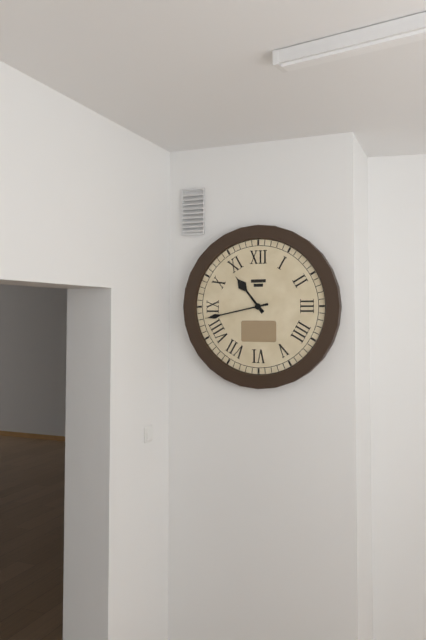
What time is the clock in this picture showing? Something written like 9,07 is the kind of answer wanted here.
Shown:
10,43
